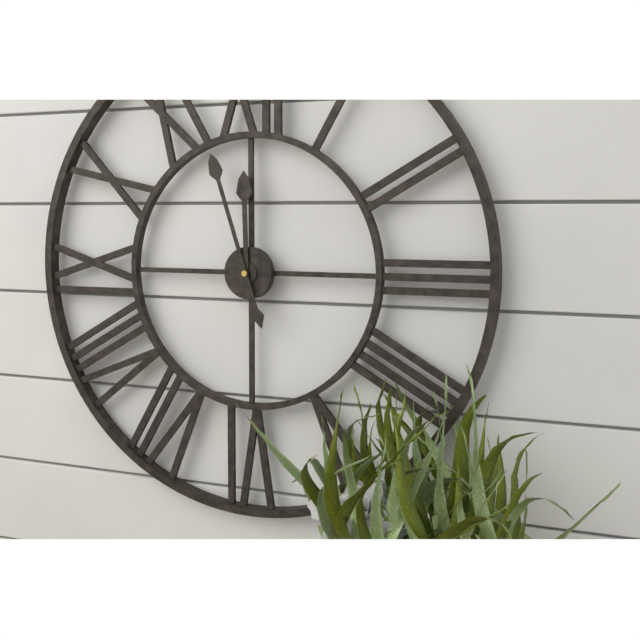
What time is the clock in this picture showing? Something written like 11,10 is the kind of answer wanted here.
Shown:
11,57
